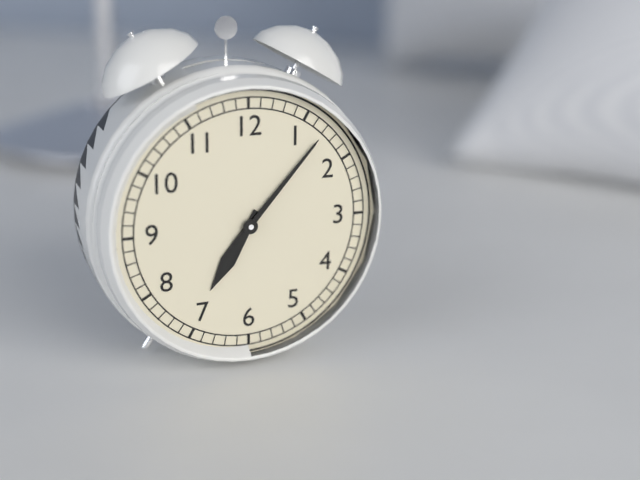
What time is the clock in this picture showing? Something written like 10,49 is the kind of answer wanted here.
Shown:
7,07
